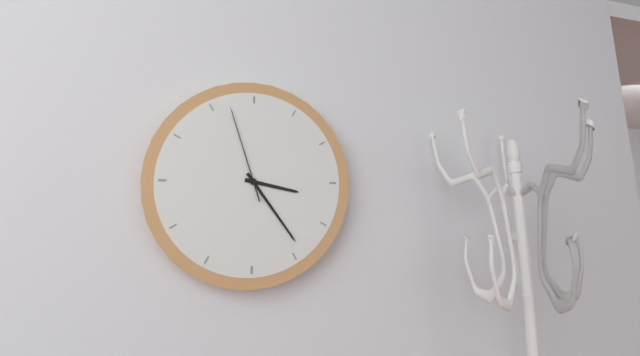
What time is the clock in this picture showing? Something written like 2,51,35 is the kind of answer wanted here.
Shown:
3,24,57
